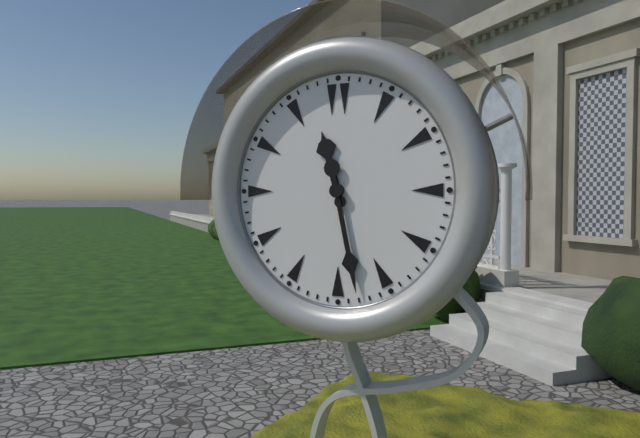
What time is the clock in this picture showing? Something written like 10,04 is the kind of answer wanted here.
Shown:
11,28
